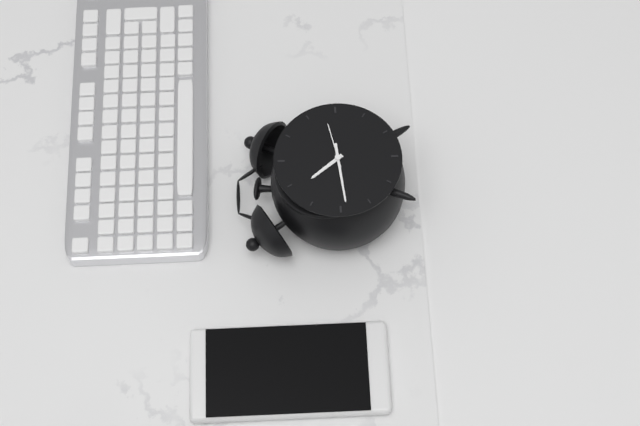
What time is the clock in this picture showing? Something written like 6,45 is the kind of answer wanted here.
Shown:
10,44
